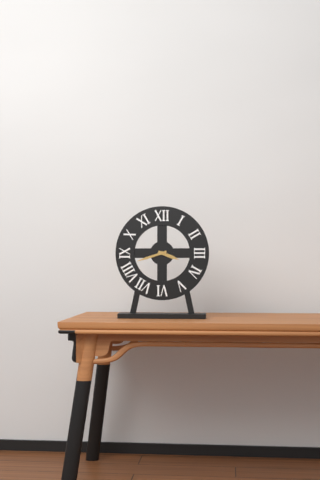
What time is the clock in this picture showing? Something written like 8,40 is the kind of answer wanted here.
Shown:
3,42
